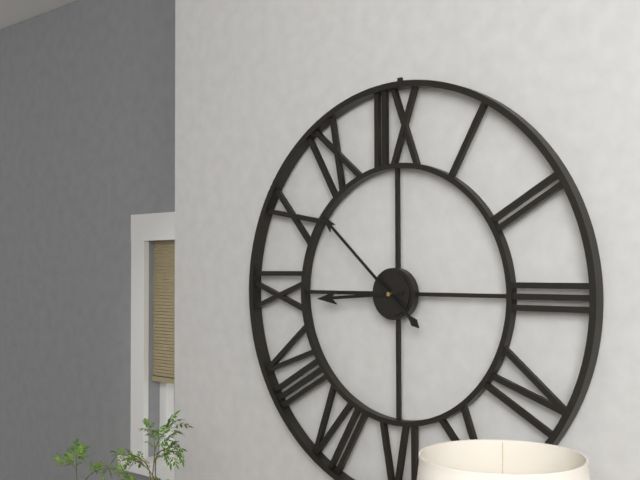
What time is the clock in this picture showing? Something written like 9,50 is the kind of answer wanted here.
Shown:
8,52
